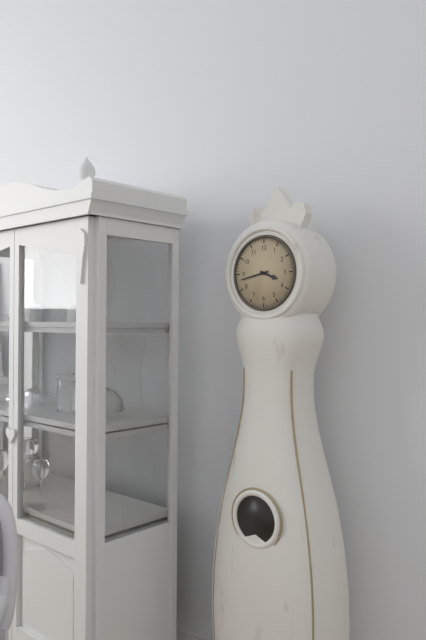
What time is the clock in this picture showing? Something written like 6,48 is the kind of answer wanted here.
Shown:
3,43
